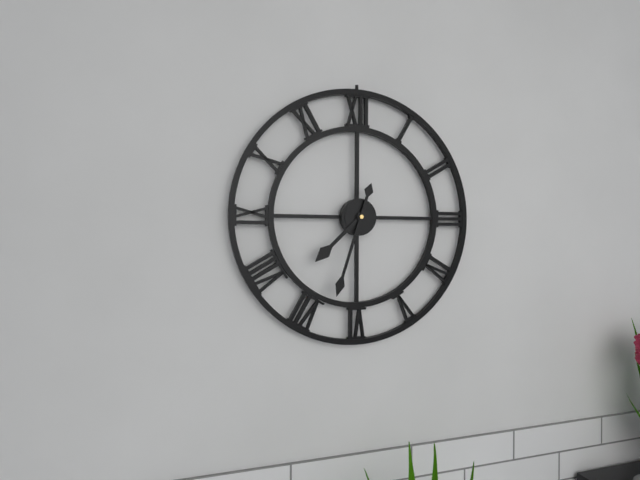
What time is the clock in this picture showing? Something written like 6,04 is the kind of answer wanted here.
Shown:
7,33
